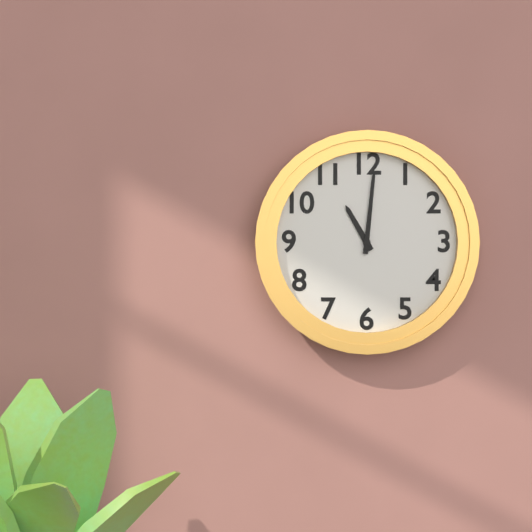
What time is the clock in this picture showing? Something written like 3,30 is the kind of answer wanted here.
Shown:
11,01
